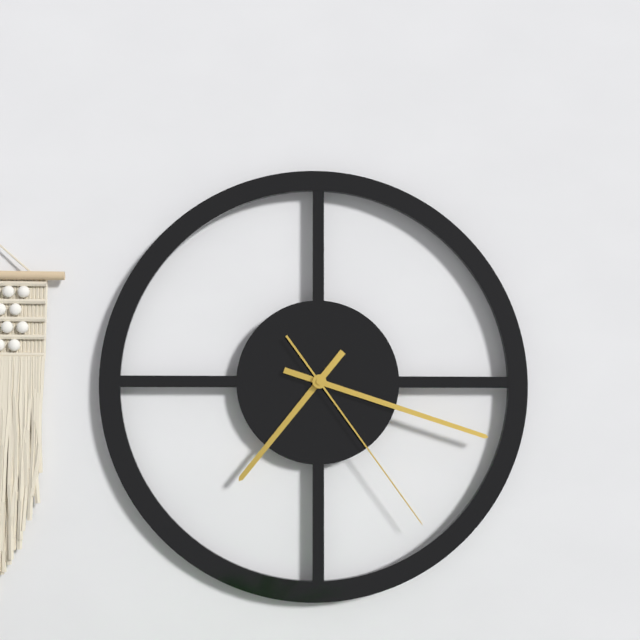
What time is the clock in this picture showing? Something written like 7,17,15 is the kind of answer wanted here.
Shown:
7,18,24
